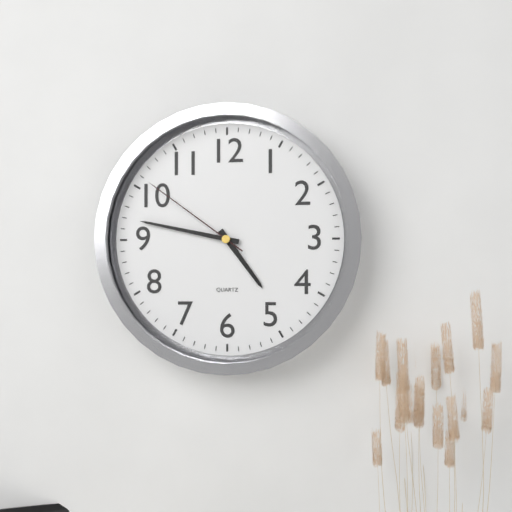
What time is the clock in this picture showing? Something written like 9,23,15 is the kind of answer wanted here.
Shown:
4,47,51
